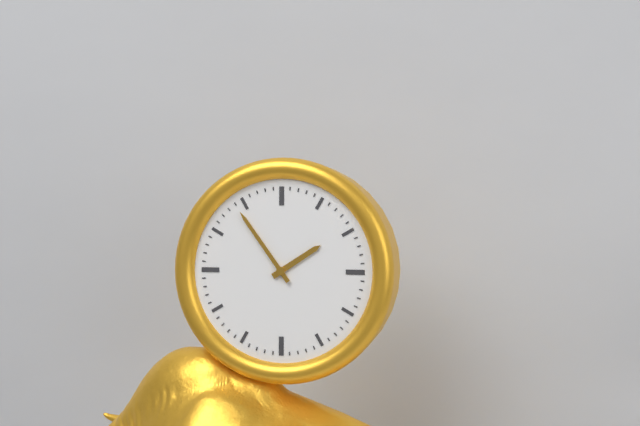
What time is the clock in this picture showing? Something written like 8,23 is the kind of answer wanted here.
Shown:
1,54
